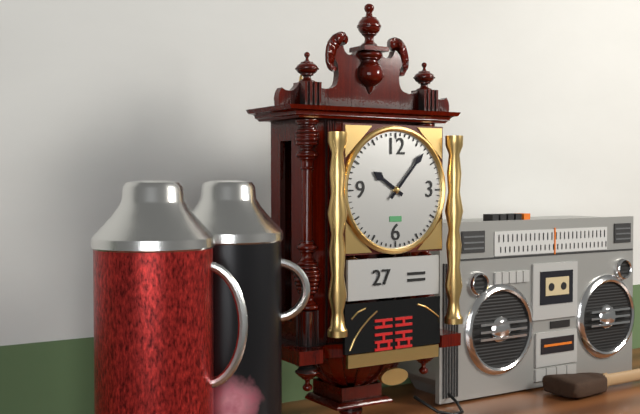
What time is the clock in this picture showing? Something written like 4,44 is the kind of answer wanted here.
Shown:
10,07
